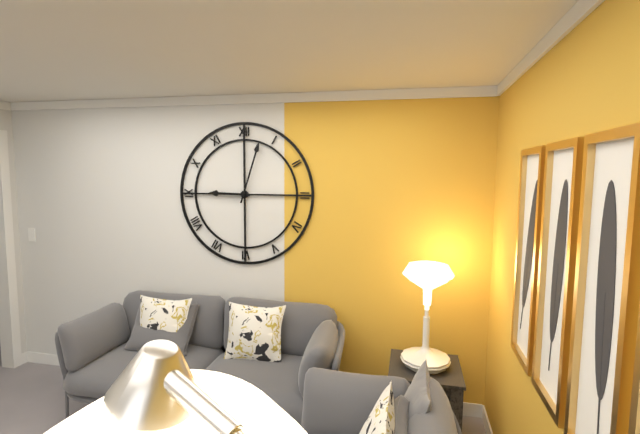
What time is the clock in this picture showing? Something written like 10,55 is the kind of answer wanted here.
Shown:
9,03
